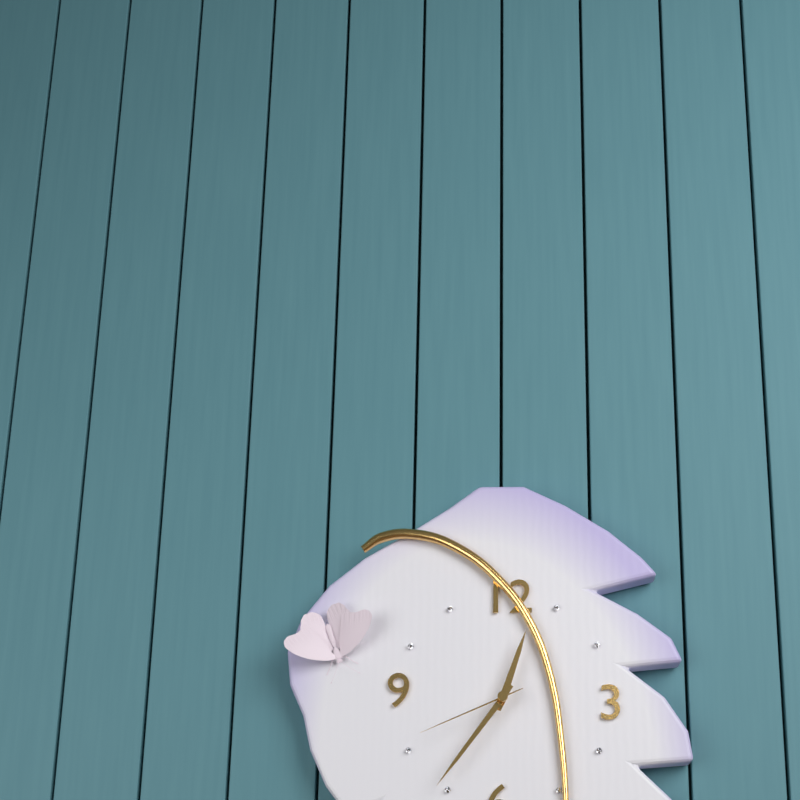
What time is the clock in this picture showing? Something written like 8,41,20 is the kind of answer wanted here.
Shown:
12,36,41
